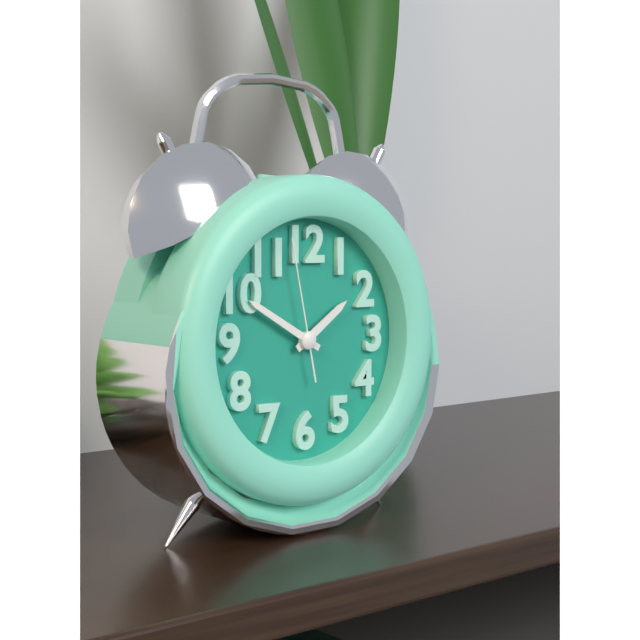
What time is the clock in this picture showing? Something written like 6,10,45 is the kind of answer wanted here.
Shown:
1,50,58
